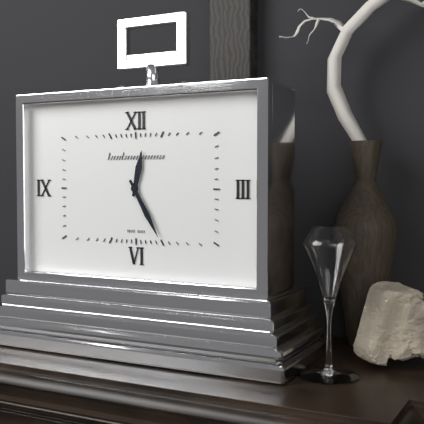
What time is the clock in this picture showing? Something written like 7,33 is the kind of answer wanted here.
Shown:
12,25
